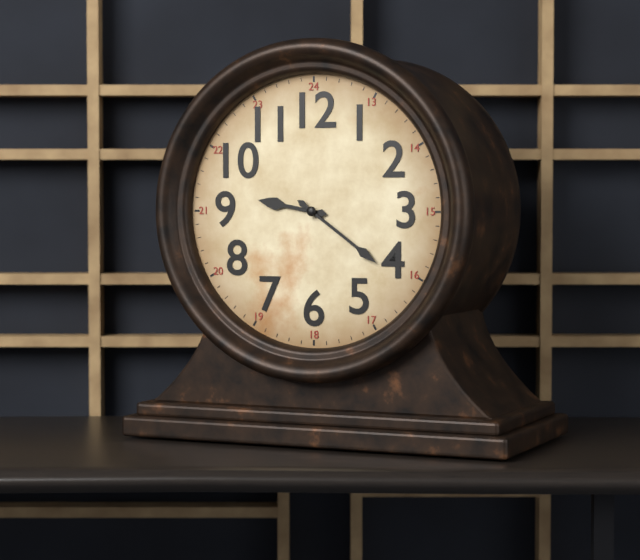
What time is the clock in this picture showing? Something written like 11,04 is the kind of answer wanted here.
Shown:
9,21
